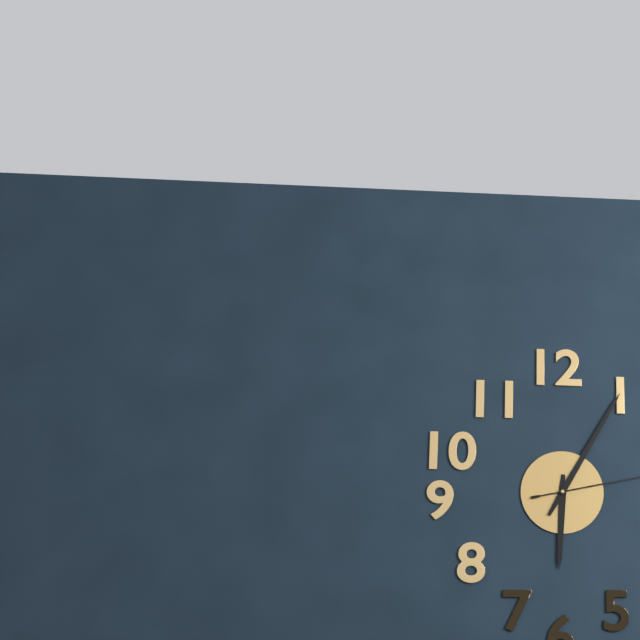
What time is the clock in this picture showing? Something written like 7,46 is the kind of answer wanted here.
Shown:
6,05
